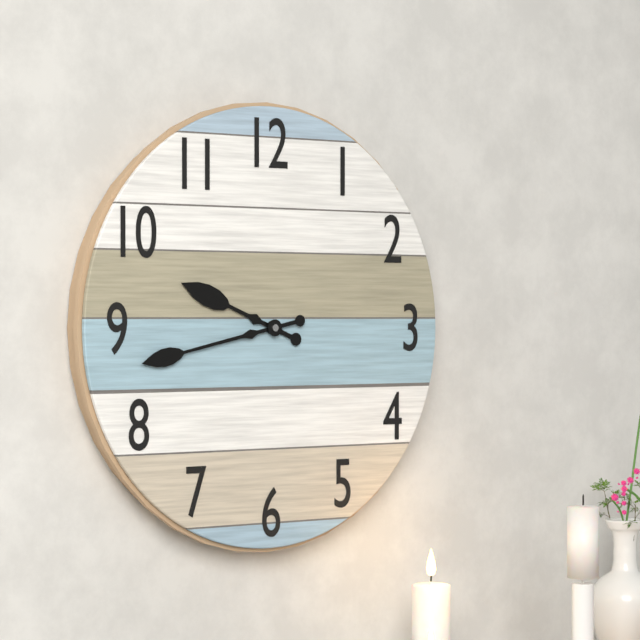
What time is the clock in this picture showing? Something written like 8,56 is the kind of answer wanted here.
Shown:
9,43
